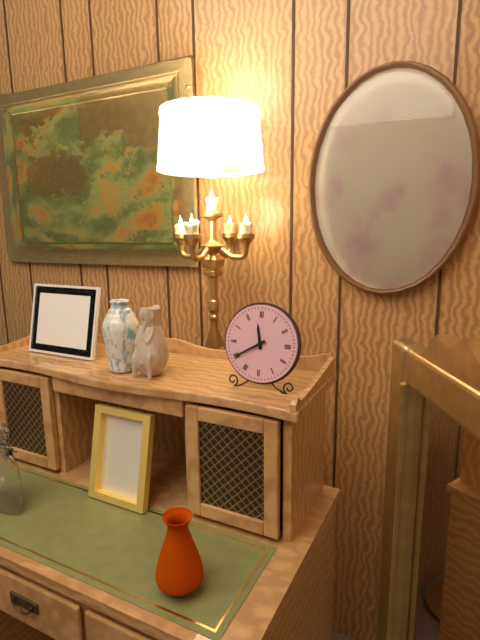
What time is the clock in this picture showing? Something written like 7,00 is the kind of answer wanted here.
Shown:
11,40
